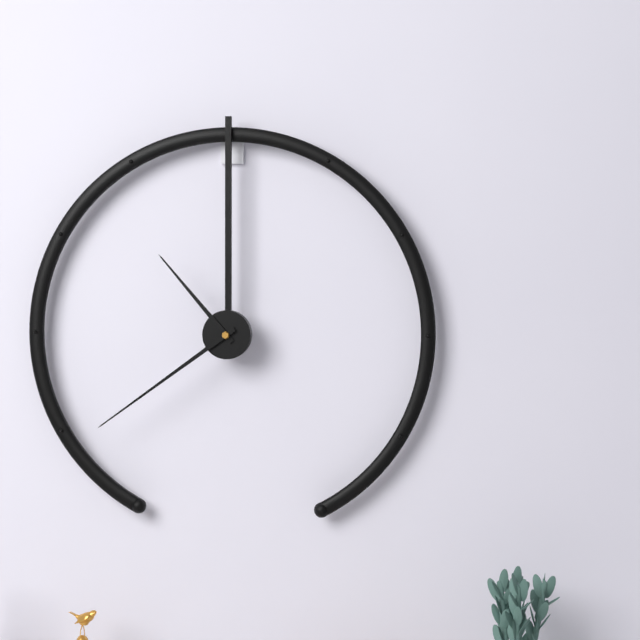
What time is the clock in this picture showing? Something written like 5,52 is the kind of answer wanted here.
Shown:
10,39
